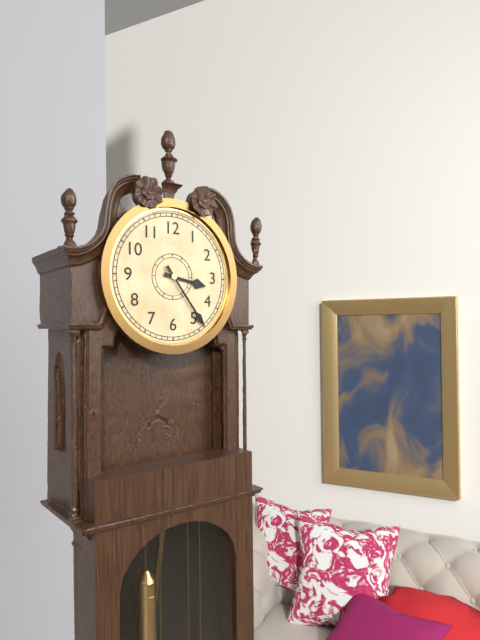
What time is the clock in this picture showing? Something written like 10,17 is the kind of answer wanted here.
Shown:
3,24
